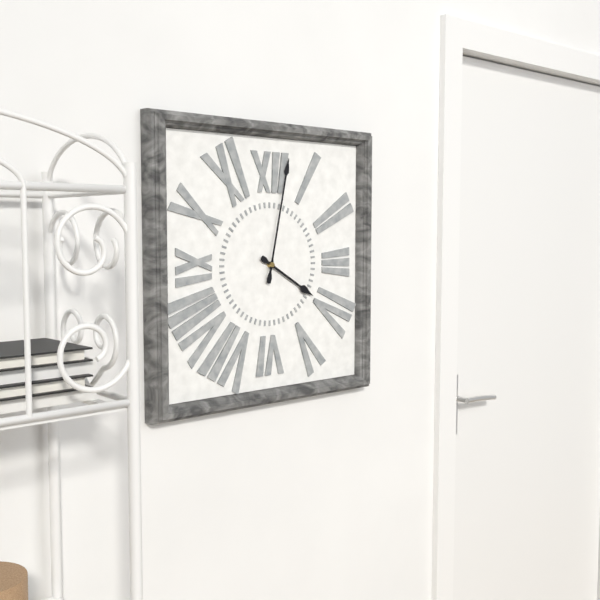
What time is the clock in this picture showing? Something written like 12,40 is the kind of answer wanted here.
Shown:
4,02
